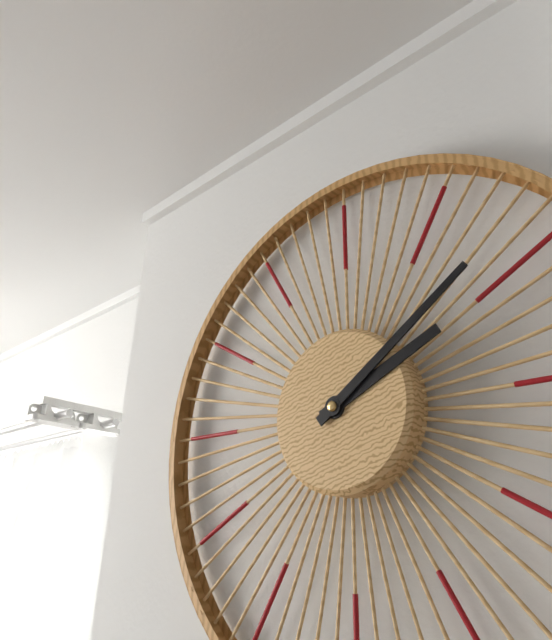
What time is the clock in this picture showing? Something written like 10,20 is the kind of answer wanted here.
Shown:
2,09
